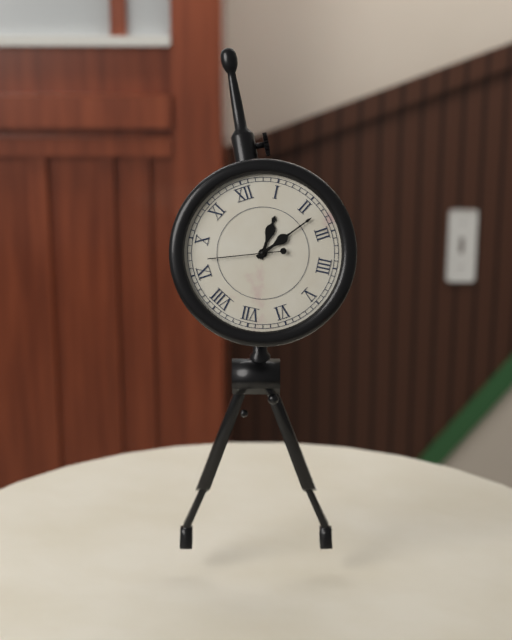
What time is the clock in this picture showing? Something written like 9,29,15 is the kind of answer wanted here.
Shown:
1,12,47
